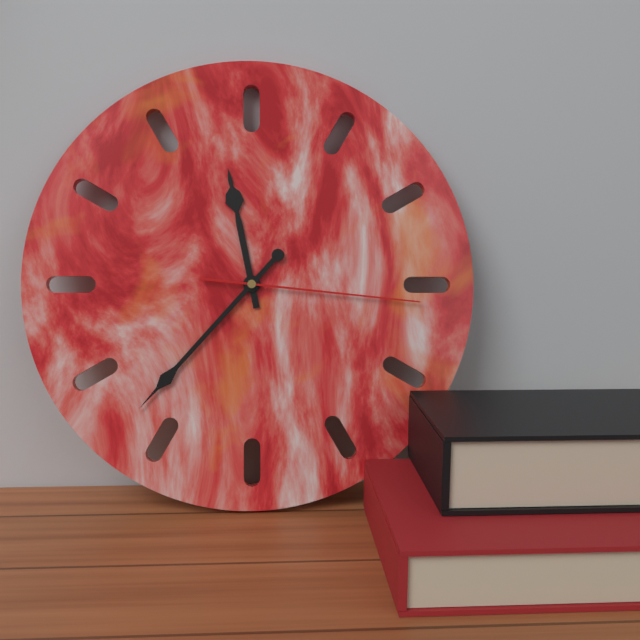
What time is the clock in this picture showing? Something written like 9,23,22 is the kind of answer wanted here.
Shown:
11,37,16
